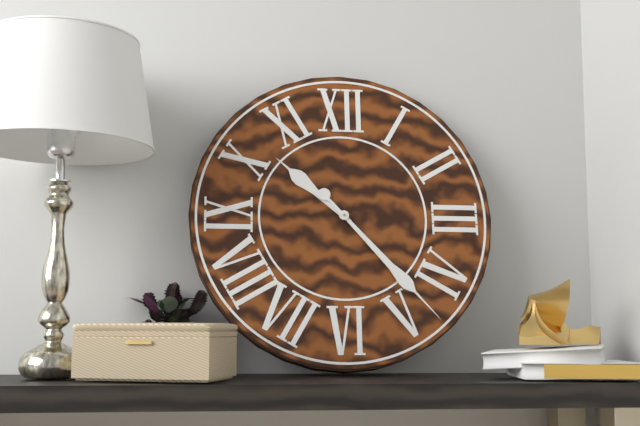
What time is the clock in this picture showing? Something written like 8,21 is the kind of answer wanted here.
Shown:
10,23
